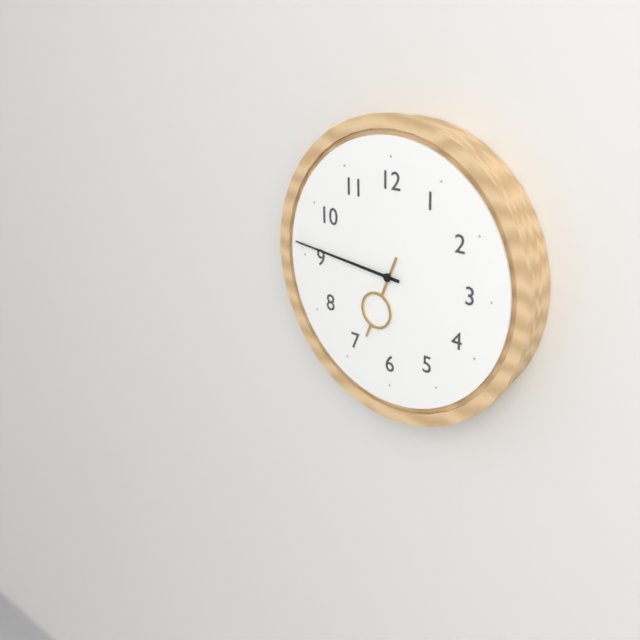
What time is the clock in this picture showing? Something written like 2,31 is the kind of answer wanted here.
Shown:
6,46
